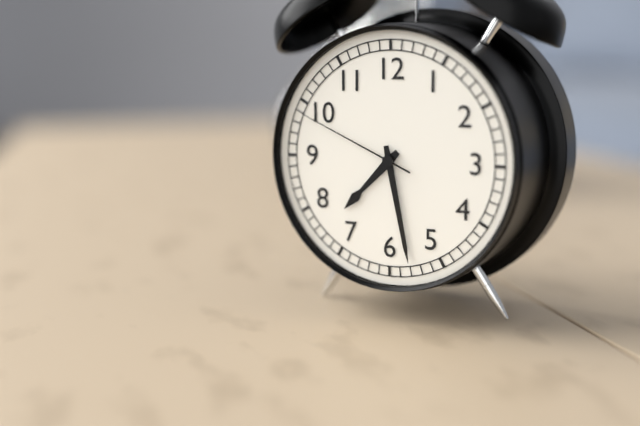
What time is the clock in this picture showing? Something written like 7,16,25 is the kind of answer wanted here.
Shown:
7,28,49
